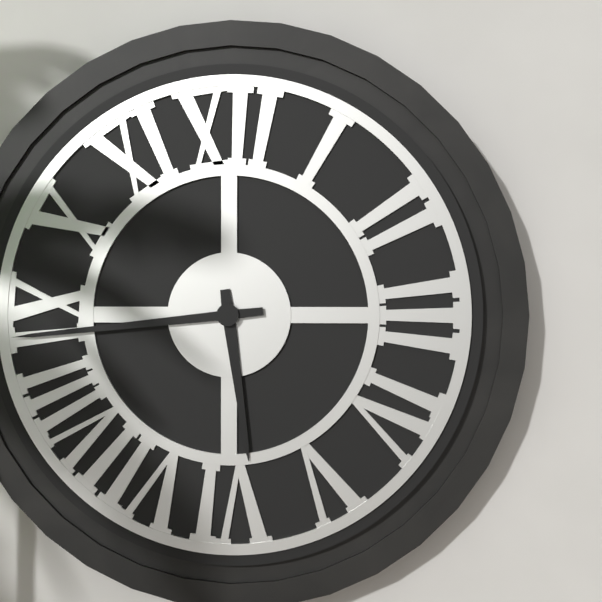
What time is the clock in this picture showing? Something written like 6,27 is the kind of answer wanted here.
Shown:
5,44
